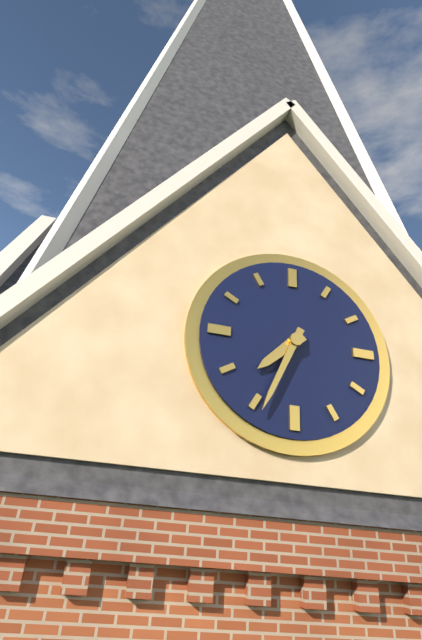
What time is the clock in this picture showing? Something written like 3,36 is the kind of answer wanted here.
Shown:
7,34
